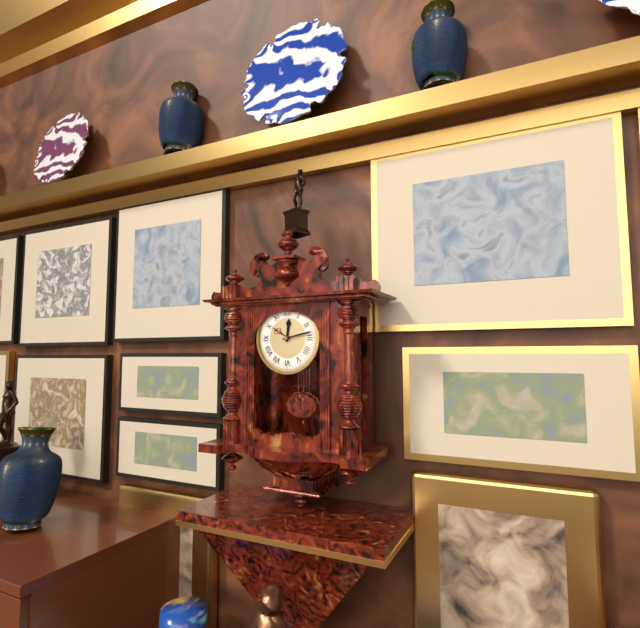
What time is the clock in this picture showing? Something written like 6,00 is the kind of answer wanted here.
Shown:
12,13
